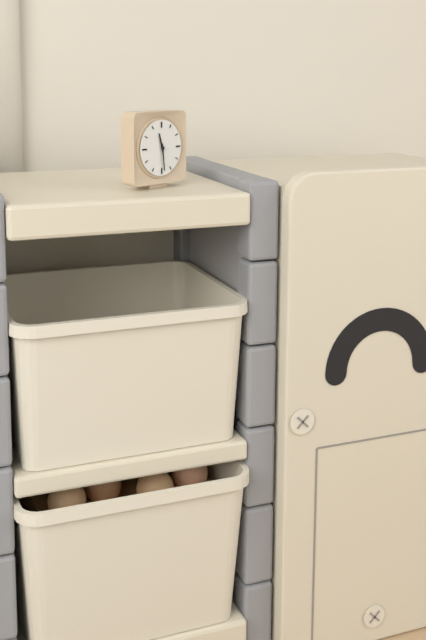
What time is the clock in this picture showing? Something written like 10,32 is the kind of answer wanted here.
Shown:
11,29
